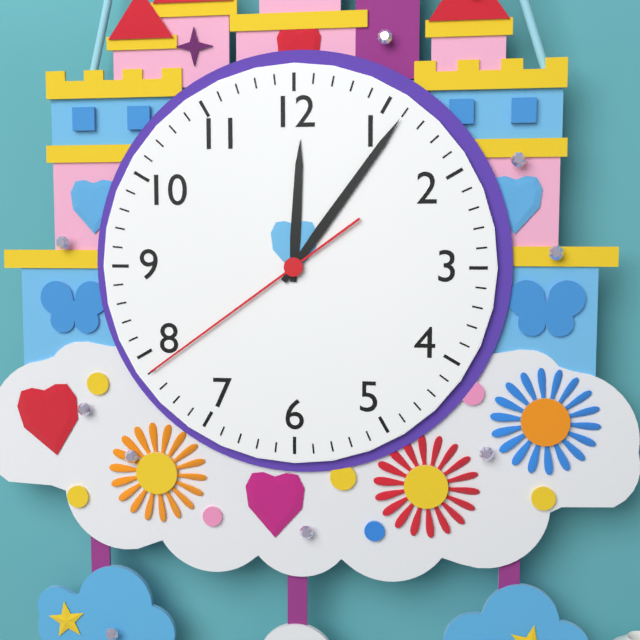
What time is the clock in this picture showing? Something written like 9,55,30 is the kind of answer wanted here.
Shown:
12,06,39
